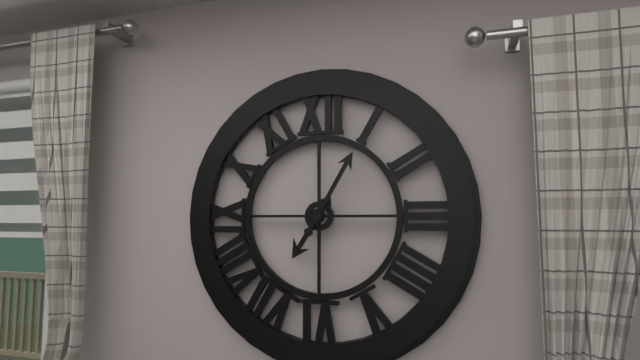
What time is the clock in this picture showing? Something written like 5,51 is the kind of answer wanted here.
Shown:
7,05
